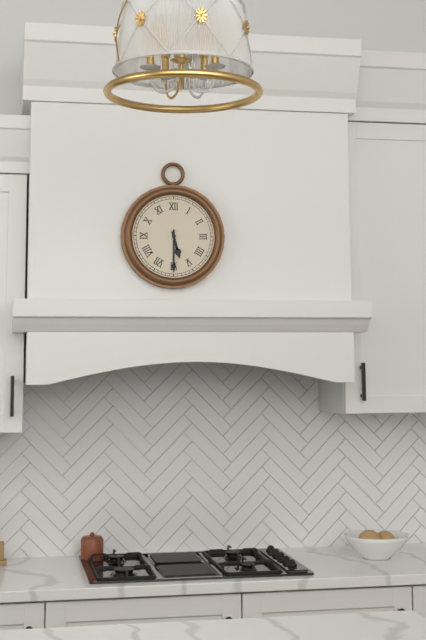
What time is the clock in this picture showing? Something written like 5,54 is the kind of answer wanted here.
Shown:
5,30
